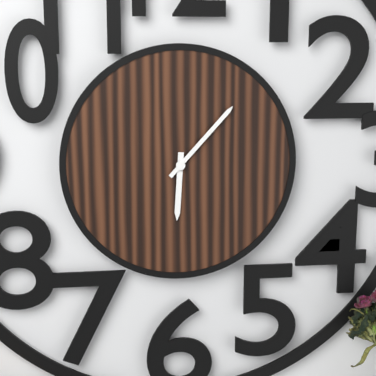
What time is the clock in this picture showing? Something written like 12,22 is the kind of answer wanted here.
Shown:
6,07
